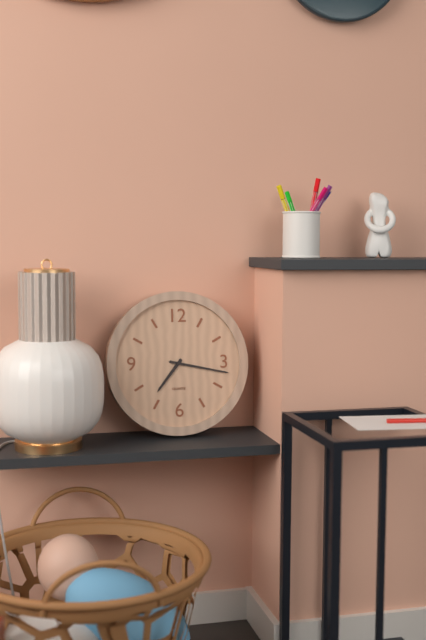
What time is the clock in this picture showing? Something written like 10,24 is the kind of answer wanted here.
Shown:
7,17
